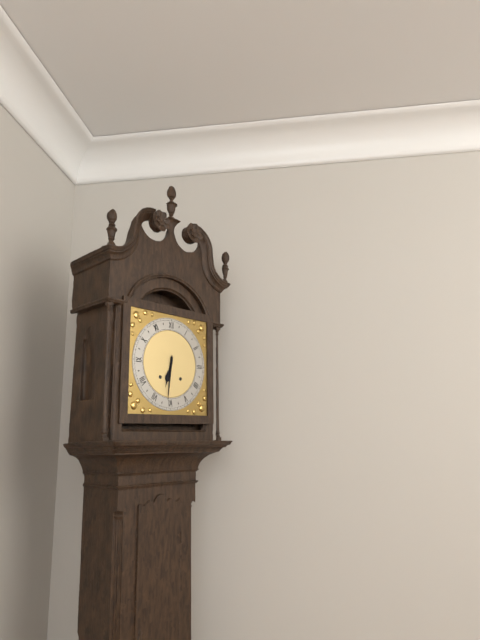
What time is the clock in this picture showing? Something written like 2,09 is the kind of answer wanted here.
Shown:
6,31
